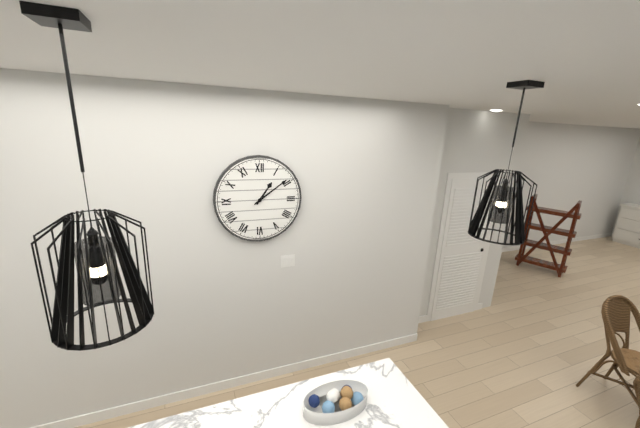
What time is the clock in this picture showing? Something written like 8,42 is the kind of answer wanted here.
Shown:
1,09
